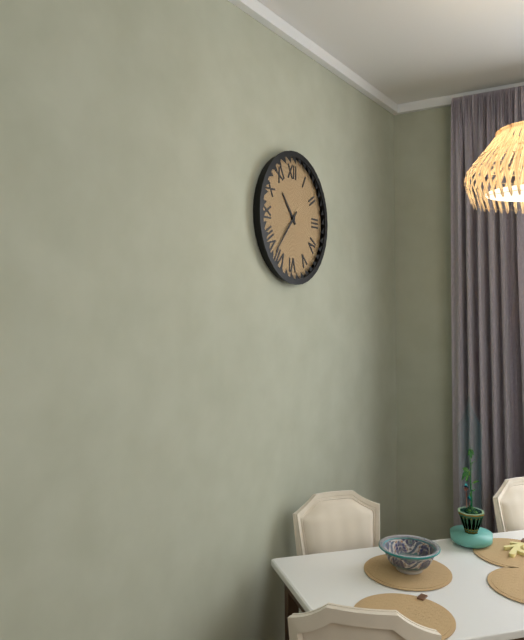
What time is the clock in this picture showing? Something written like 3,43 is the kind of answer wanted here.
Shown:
10,37
